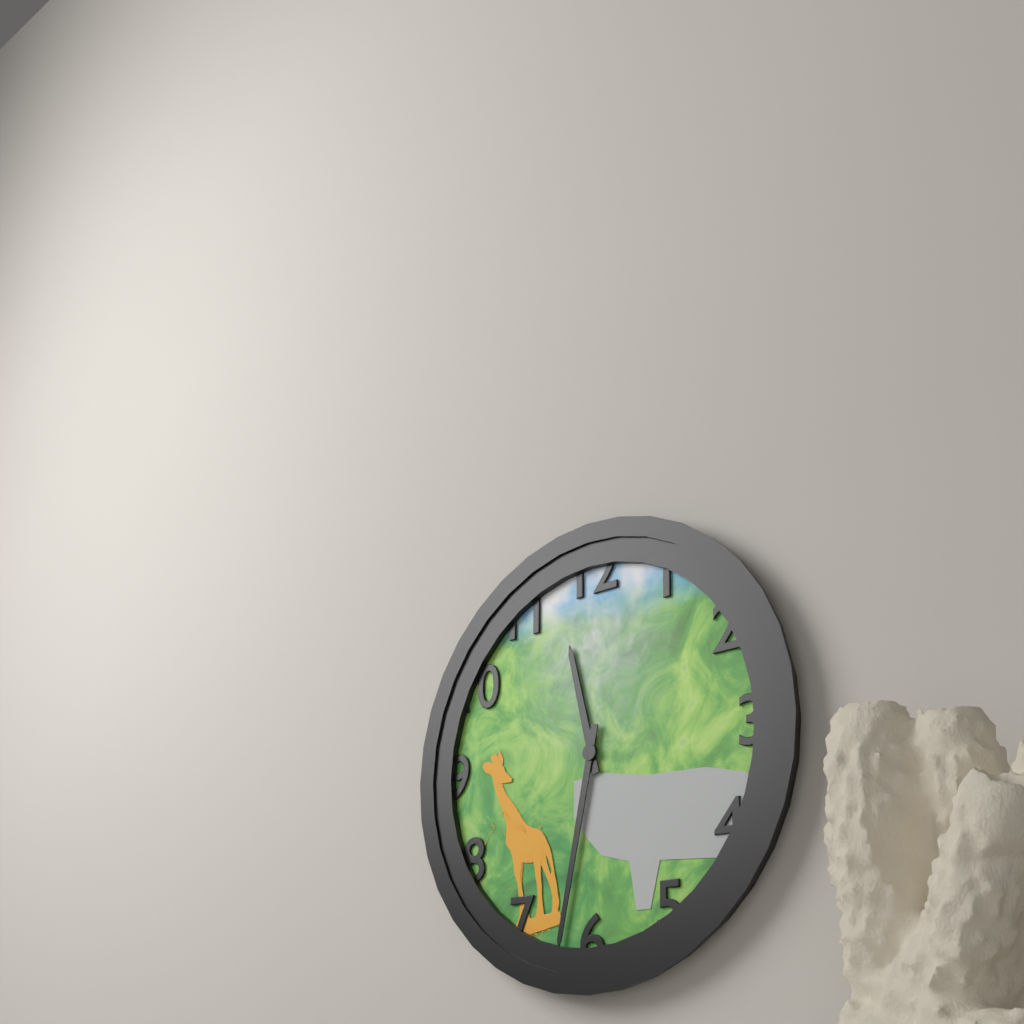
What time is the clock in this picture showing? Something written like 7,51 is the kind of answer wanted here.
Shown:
11,32
